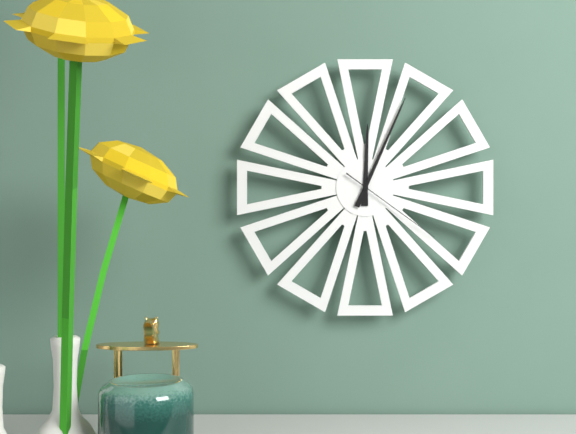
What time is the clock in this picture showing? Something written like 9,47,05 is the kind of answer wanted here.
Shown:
12,04,21
